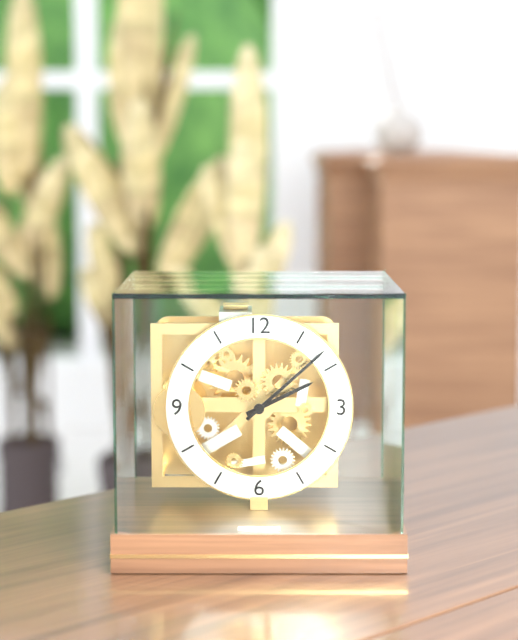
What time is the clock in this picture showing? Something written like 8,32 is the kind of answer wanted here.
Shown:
2,08
